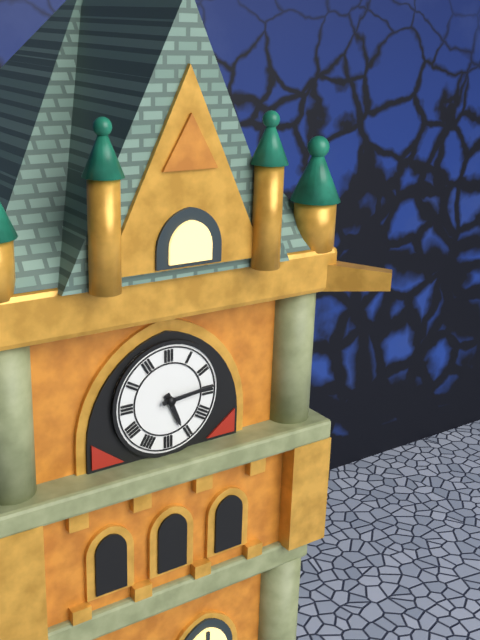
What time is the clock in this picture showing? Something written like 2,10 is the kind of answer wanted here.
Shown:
5,14
